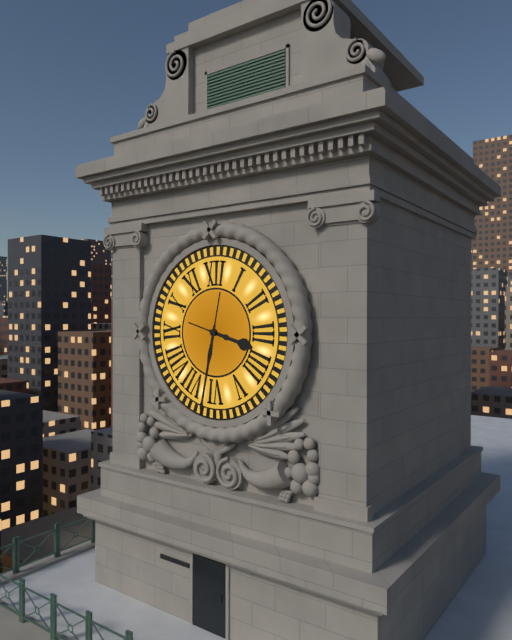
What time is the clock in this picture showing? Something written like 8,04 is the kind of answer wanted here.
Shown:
3,32
